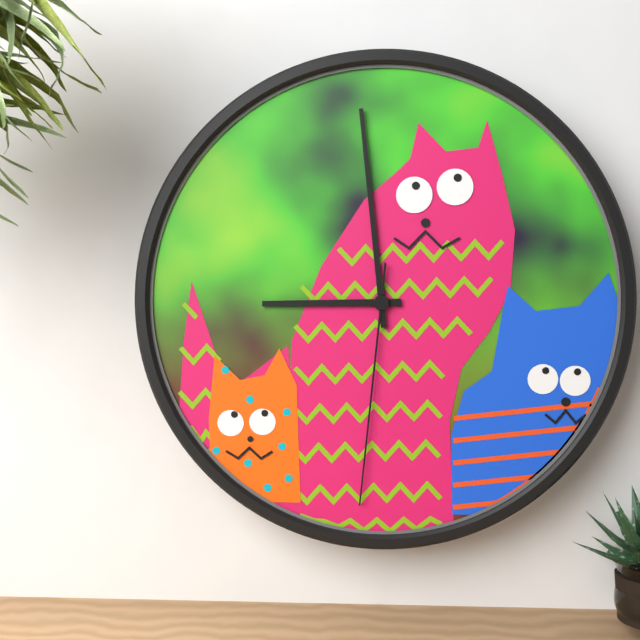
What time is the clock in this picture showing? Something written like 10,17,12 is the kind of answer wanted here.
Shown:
8,59,31
